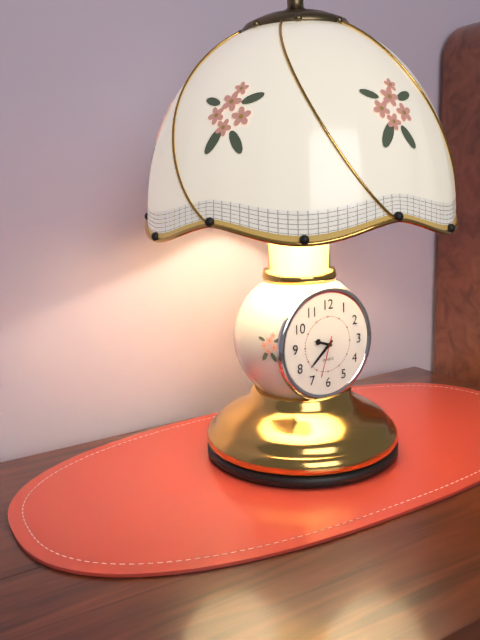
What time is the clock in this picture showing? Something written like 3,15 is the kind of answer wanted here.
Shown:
9,38
